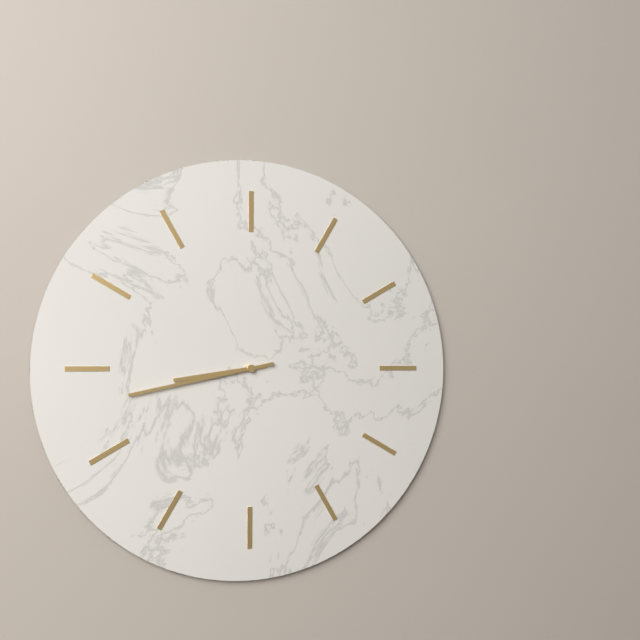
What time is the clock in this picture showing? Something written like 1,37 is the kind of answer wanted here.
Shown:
8,43
